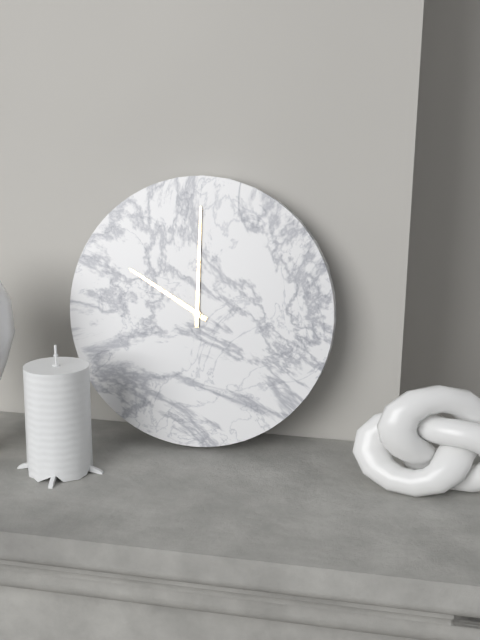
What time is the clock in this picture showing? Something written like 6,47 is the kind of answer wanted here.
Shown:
10,00
